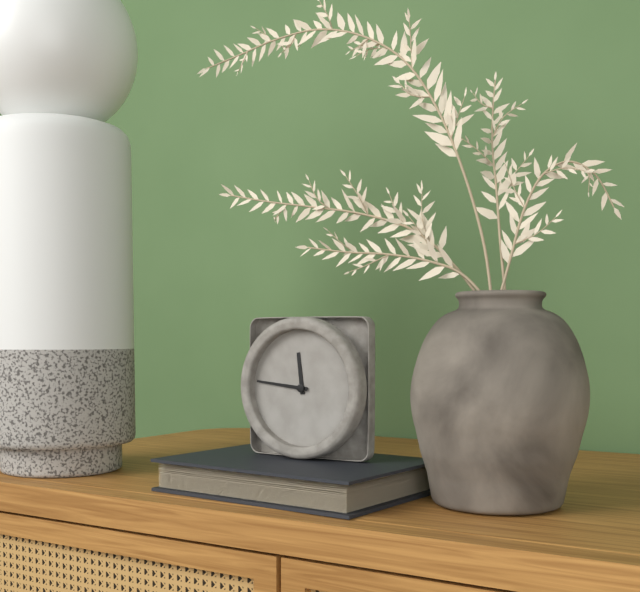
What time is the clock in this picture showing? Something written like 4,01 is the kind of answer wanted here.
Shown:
11,46
